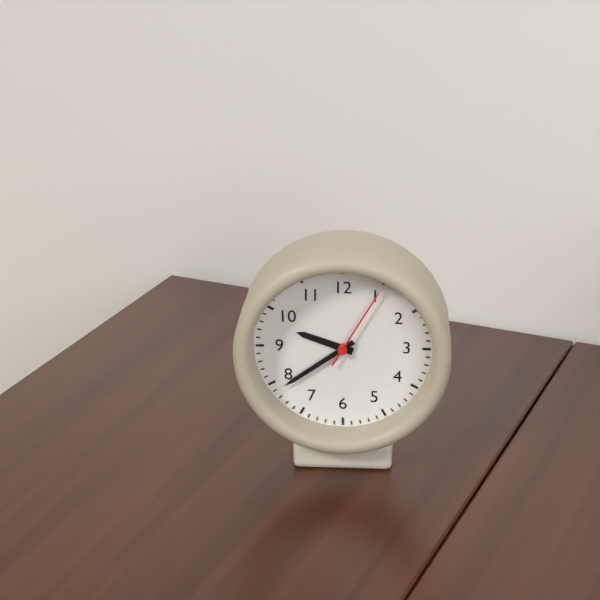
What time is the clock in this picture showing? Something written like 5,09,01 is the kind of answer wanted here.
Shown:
9,39,05
